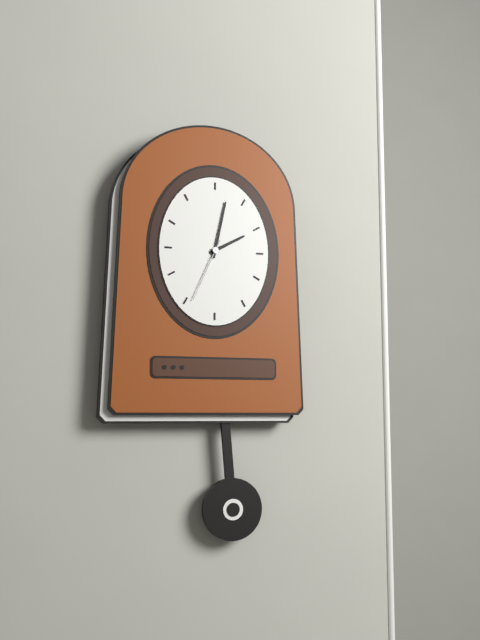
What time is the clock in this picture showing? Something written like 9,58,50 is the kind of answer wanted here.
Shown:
2,02,34
